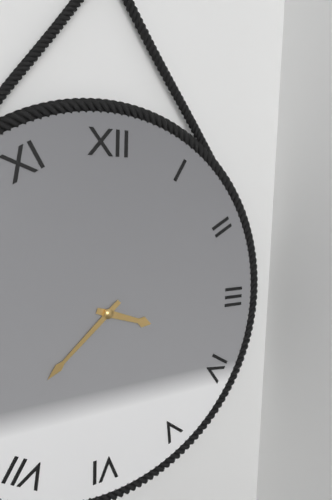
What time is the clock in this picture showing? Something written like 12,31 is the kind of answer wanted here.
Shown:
3,38
